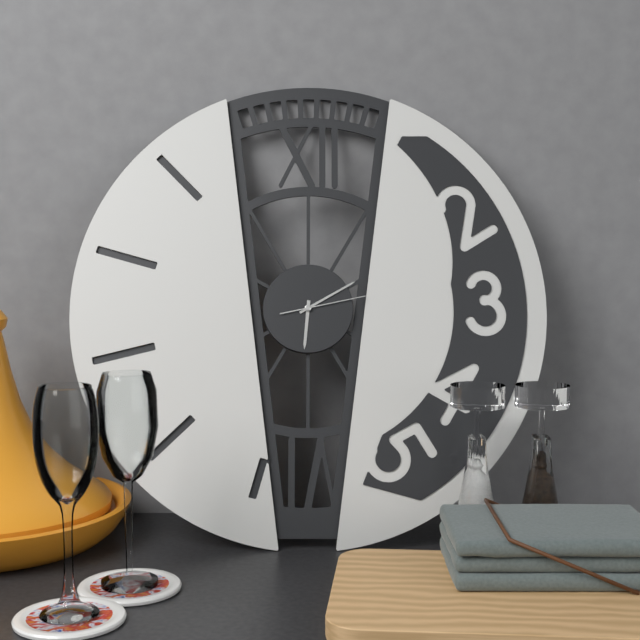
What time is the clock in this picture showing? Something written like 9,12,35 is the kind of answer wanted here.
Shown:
6,10,13
